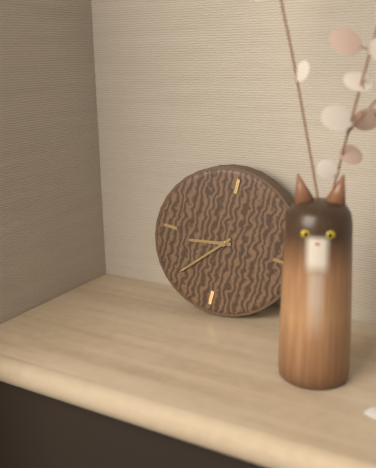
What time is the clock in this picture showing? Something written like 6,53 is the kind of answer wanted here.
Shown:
8,37
